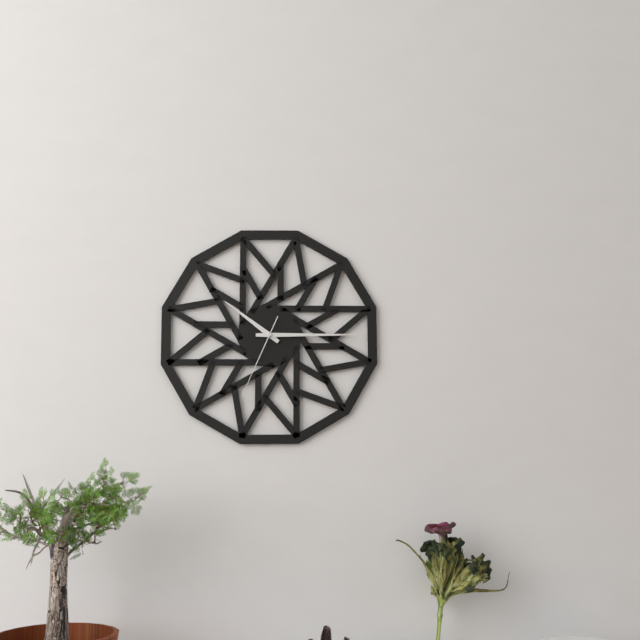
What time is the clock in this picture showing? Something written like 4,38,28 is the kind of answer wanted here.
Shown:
10,15,34
